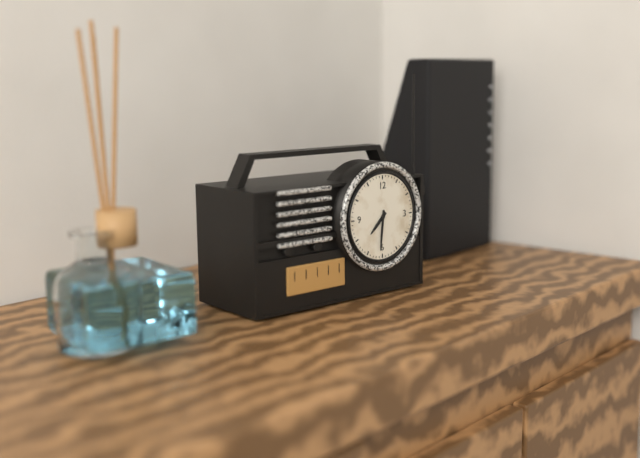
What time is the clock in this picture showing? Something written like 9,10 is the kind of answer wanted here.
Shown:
7,31
